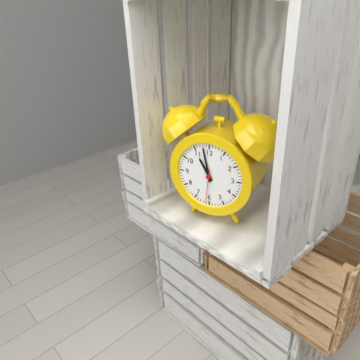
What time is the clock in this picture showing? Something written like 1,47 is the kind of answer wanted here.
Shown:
10,58
